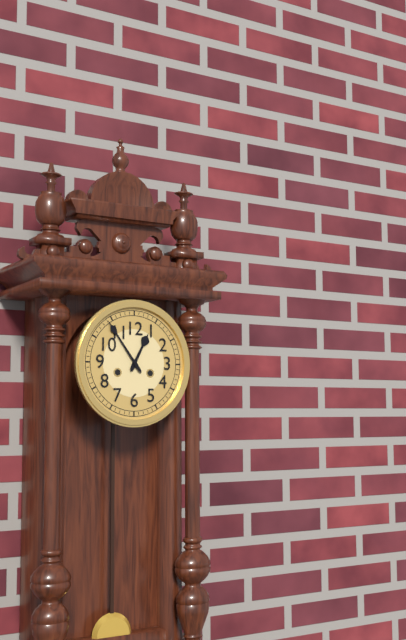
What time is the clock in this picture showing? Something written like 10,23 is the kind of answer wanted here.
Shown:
12,54
